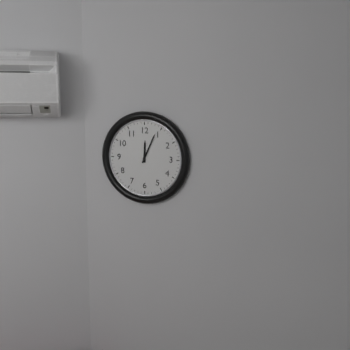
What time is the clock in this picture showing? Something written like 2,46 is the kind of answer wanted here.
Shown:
12,04
